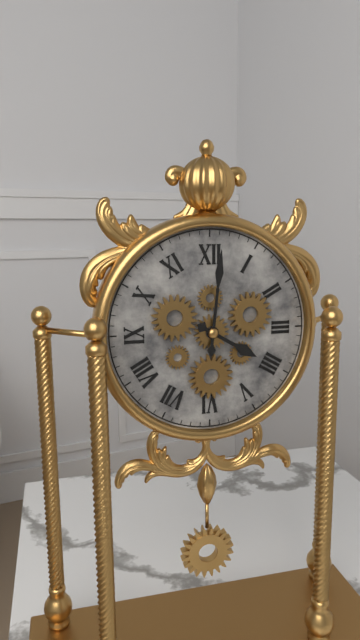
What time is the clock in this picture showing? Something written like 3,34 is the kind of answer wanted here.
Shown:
4,01
